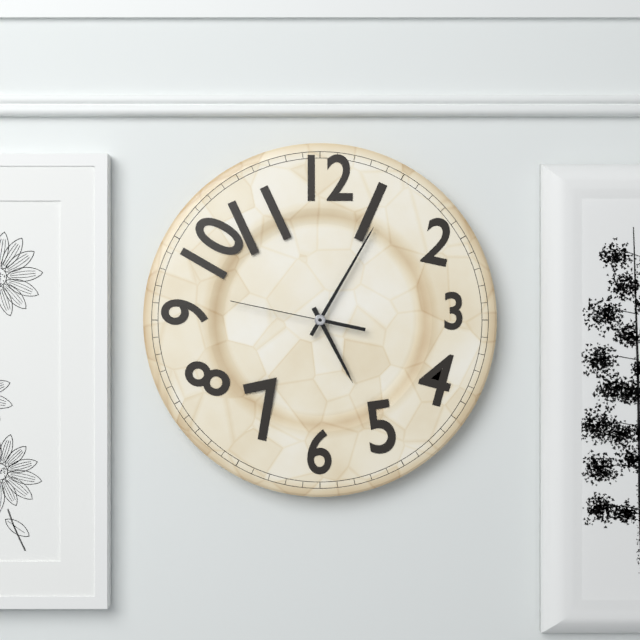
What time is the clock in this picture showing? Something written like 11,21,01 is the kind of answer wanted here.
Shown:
5,05,47
